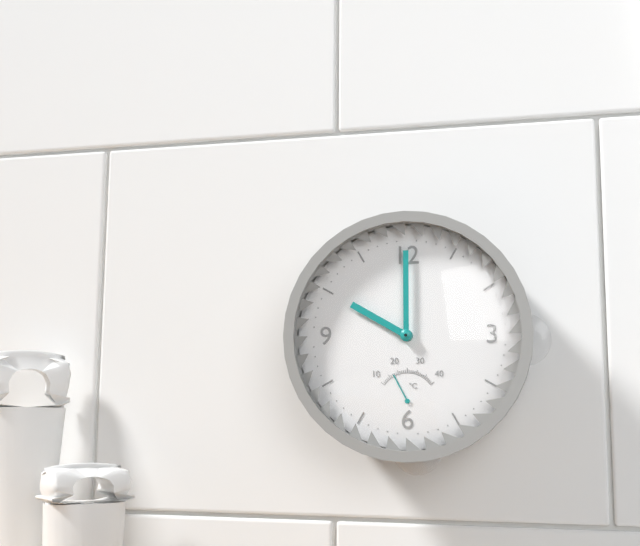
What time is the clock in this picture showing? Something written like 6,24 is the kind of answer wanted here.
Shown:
10,00
